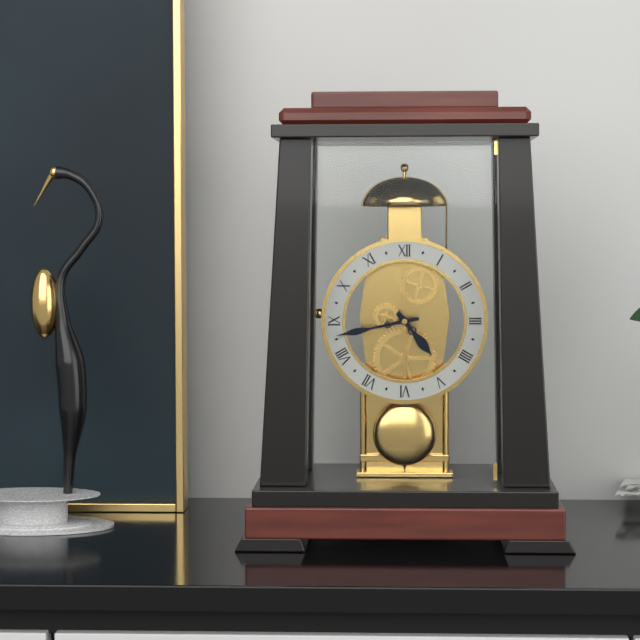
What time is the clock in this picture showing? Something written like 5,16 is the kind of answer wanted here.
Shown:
4,43
